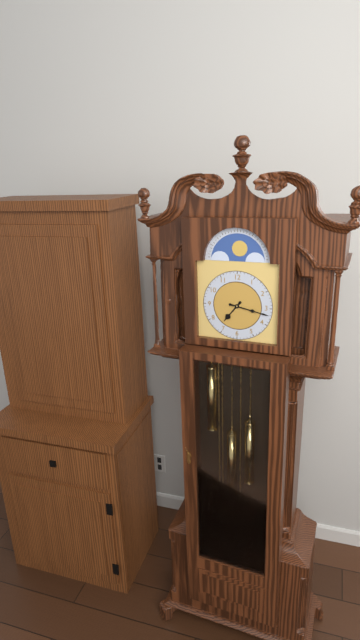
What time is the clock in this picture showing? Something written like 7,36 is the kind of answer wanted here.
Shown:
7,17
